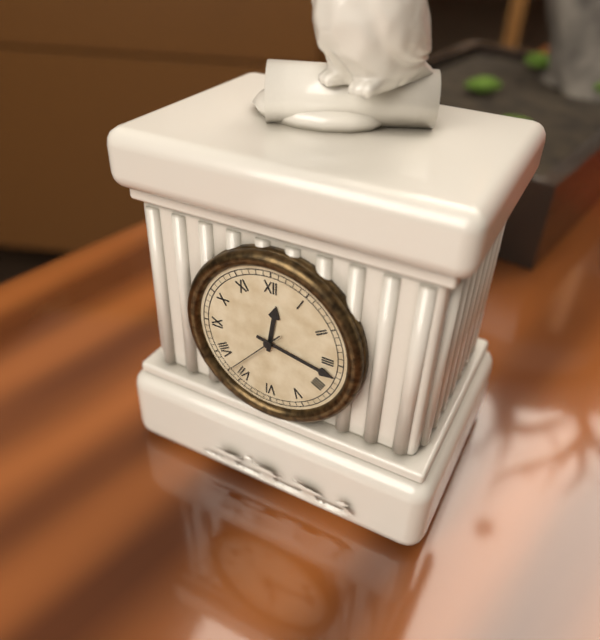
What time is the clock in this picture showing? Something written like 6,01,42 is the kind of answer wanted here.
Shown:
12,17,37
